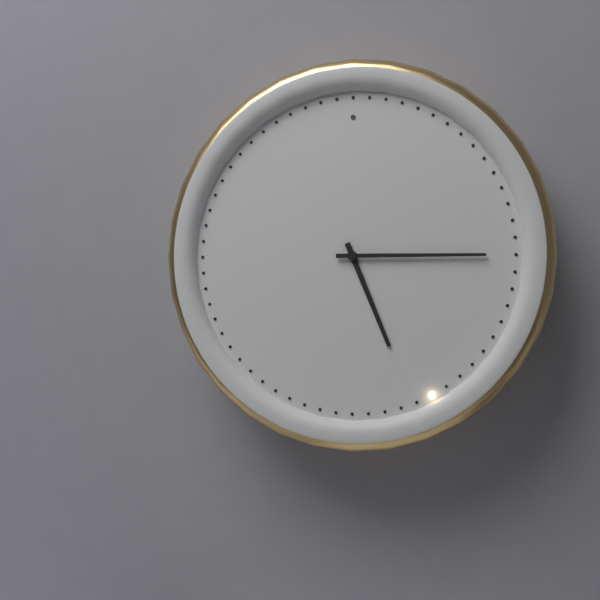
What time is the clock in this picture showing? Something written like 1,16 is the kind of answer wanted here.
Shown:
5,15
